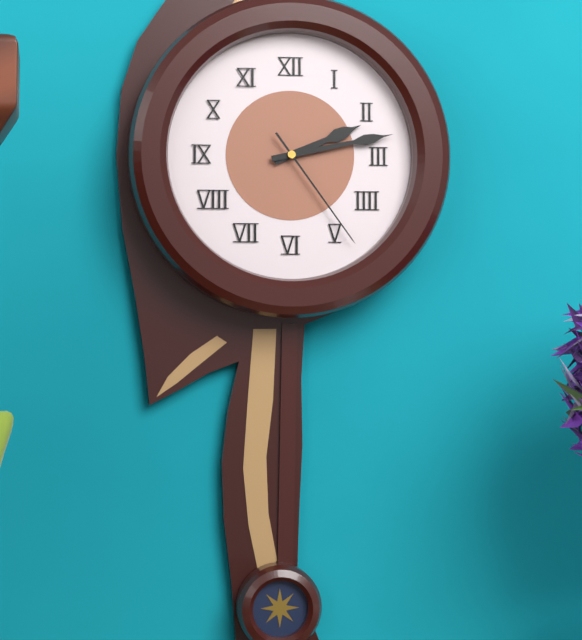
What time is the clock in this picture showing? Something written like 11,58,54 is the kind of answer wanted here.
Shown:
2,13,24
